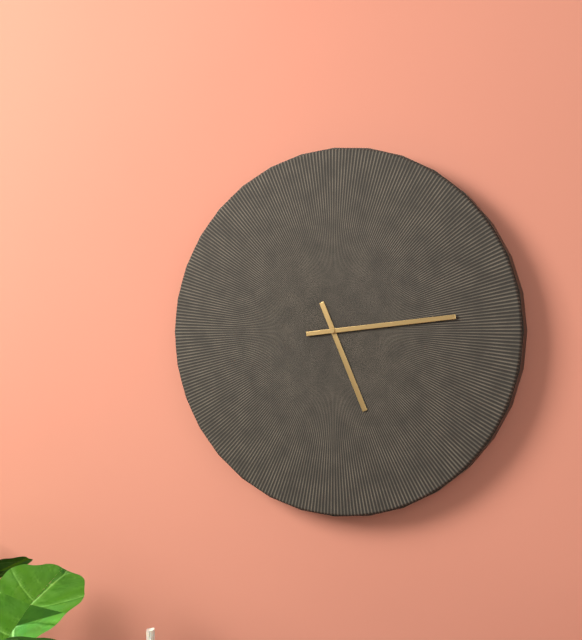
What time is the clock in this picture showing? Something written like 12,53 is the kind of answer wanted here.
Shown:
5,14
